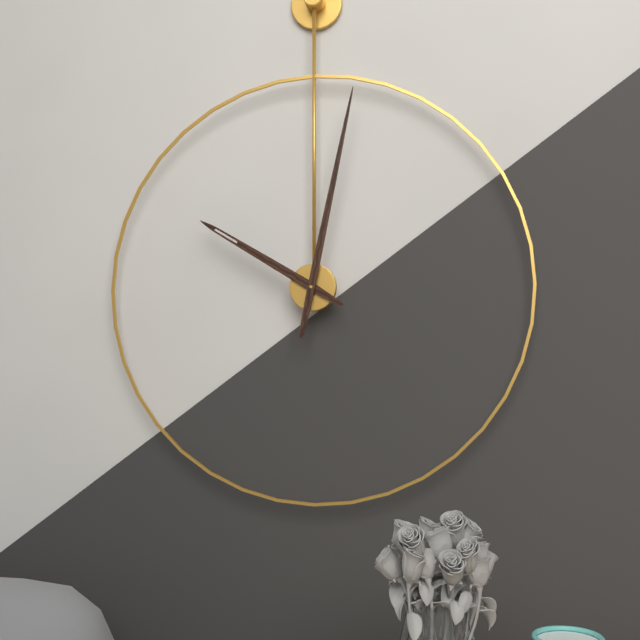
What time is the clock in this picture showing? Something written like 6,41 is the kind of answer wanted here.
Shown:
10,02
